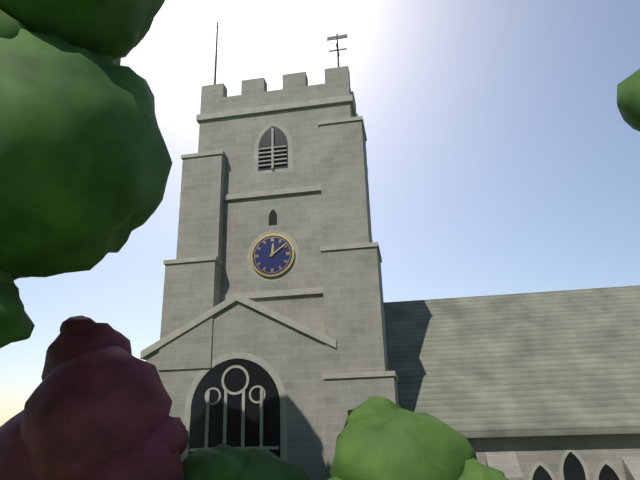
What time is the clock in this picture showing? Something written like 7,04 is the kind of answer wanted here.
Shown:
12,09
